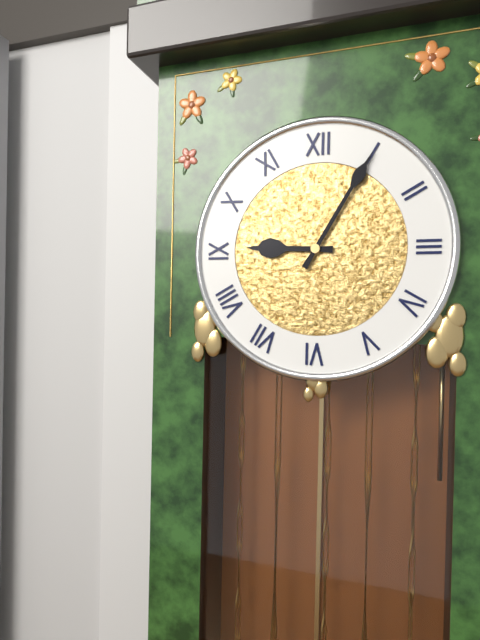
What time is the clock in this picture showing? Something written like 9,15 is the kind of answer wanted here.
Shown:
9,05
